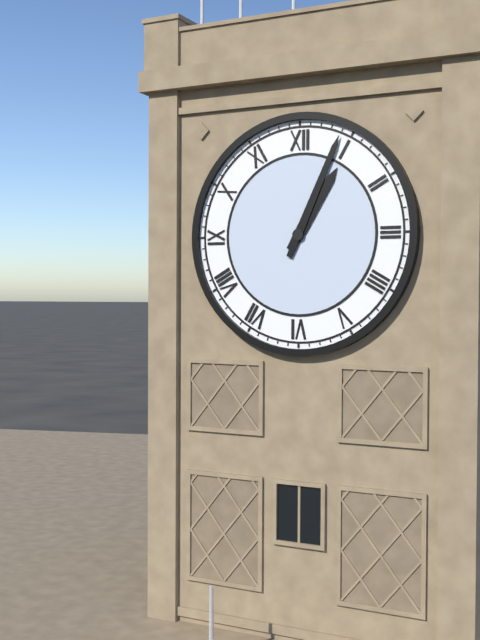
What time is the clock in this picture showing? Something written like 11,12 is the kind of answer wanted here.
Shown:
1,04
